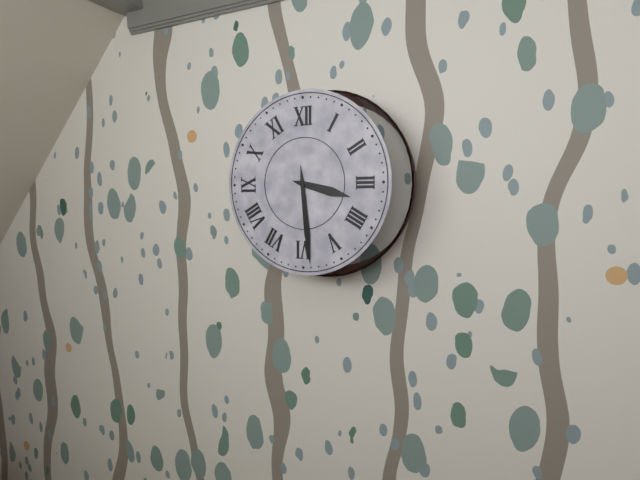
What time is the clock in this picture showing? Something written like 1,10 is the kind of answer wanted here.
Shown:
3,29
